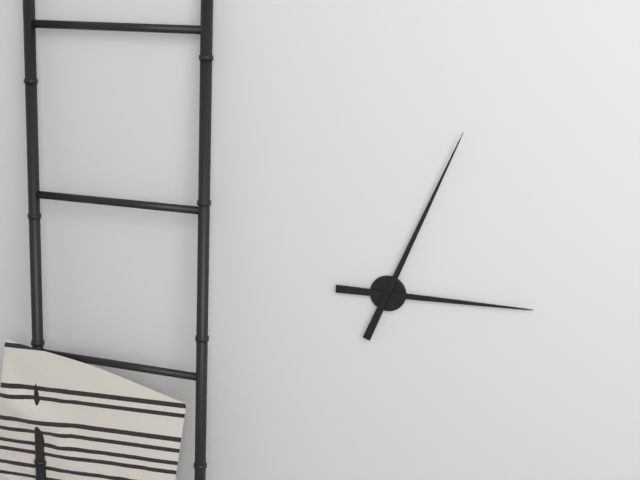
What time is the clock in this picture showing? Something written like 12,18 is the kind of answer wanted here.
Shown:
3,04
